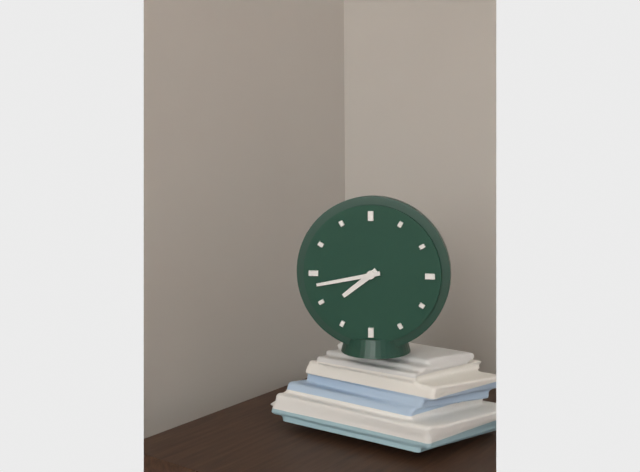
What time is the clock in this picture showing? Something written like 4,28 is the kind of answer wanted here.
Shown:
7,43
